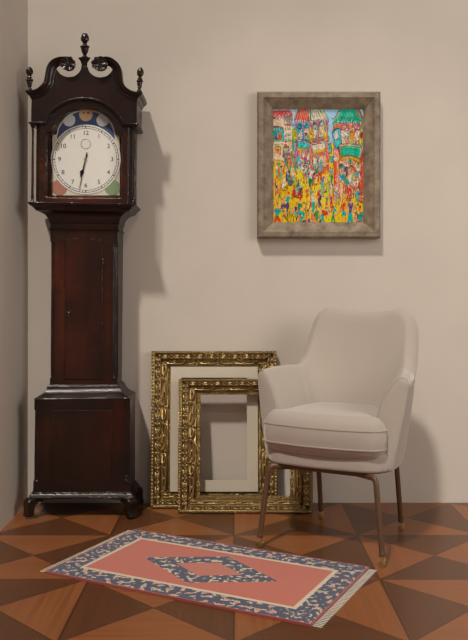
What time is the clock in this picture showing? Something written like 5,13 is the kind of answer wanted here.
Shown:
6,32
